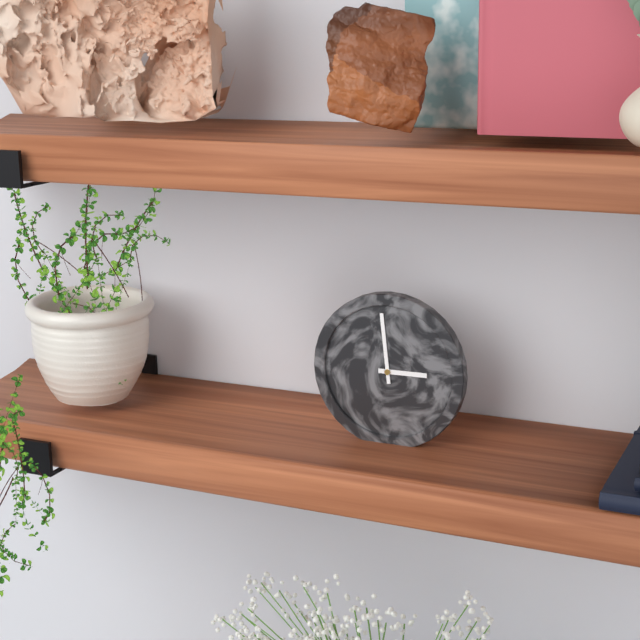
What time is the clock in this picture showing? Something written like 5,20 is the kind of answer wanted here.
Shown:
2,59
